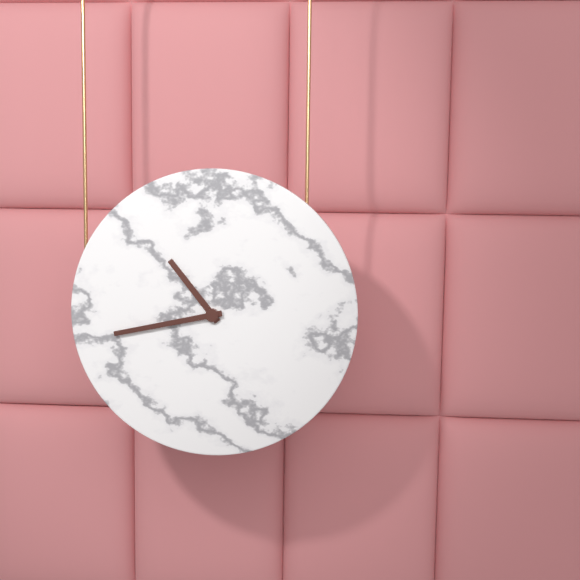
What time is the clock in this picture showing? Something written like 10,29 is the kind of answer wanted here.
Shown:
10,43
